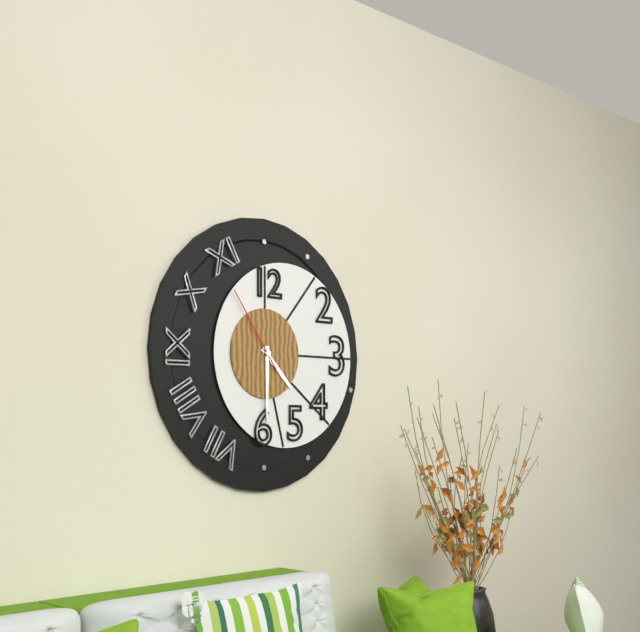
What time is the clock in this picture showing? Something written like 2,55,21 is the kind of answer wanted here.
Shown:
4,30,54
